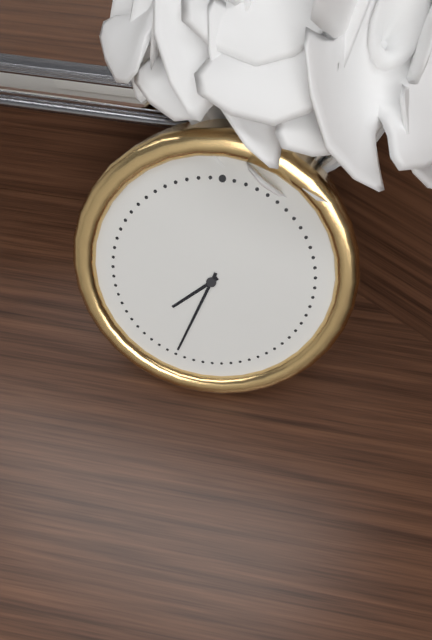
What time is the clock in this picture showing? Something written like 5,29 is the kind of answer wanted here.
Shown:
7,33
